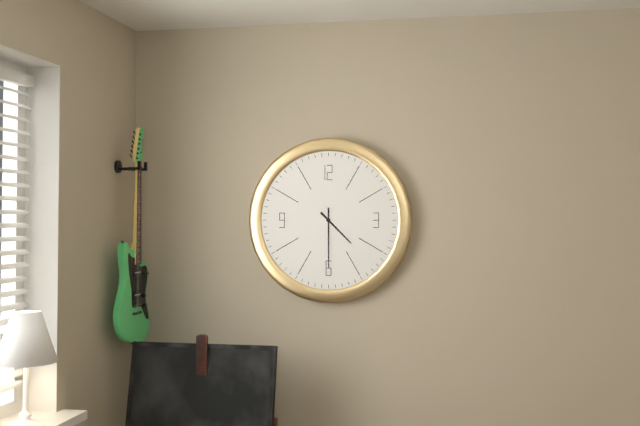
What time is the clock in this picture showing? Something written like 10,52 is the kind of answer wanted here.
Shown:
4,30
